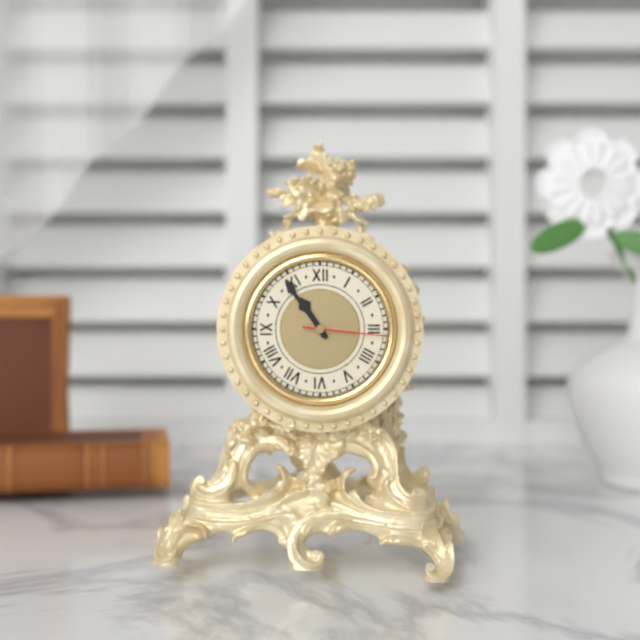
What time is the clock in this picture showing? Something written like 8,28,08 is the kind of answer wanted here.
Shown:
10,54,16
